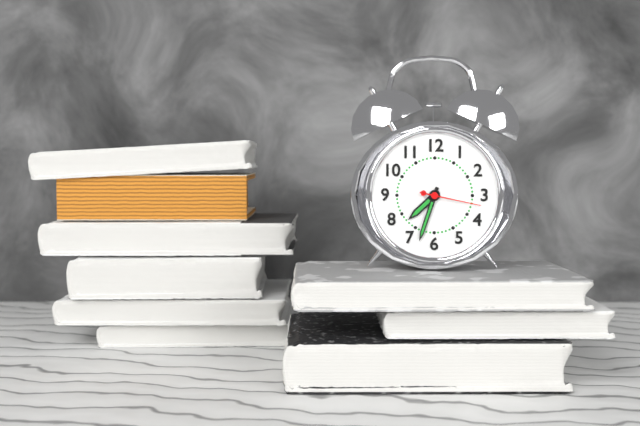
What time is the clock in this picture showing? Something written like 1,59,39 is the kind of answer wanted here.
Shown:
7,33,17
